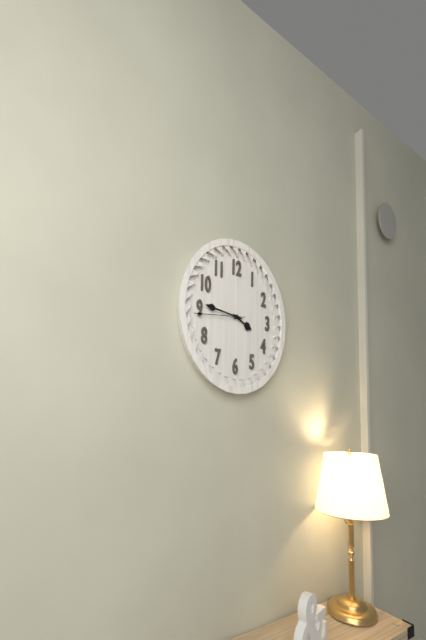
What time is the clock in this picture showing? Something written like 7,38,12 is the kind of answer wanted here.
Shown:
3,46,44
